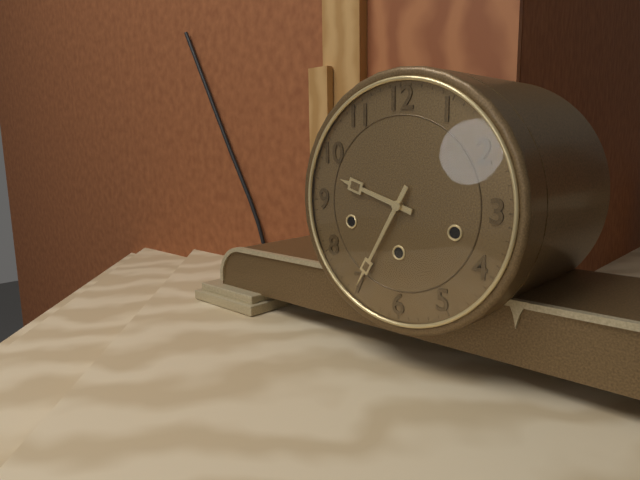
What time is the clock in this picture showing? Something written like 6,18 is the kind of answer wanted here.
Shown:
9,35
